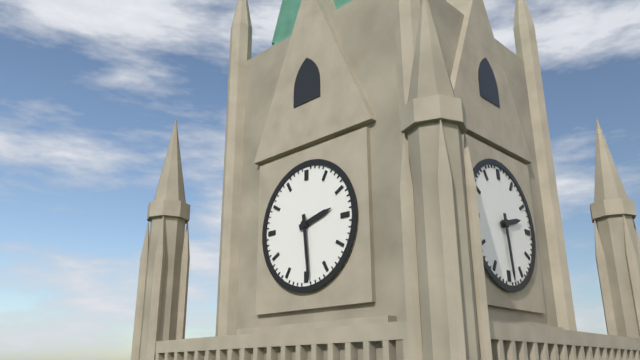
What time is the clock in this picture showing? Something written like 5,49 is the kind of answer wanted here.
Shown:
2,29
